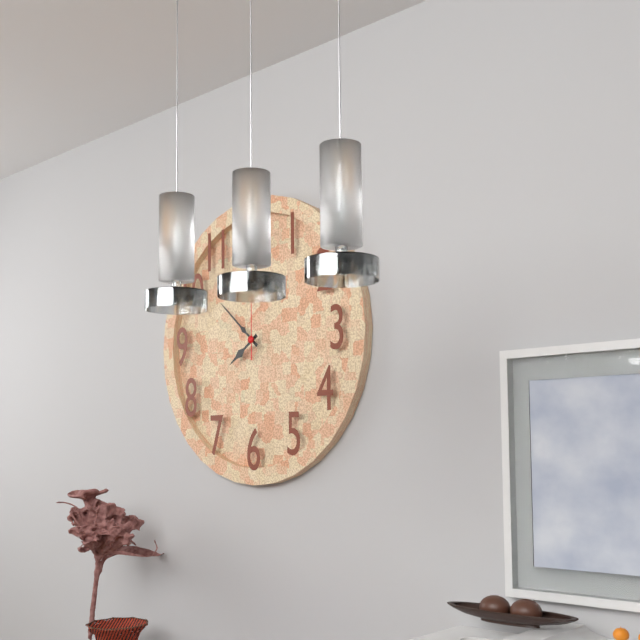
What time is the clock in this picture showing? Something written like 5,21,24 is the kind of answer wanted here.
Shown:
7,52,00
